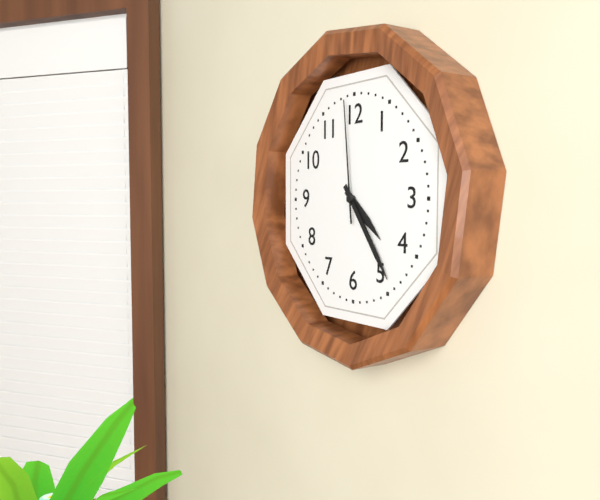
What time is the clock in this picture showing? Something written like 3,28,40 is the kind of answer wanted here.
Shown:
4,24,59
